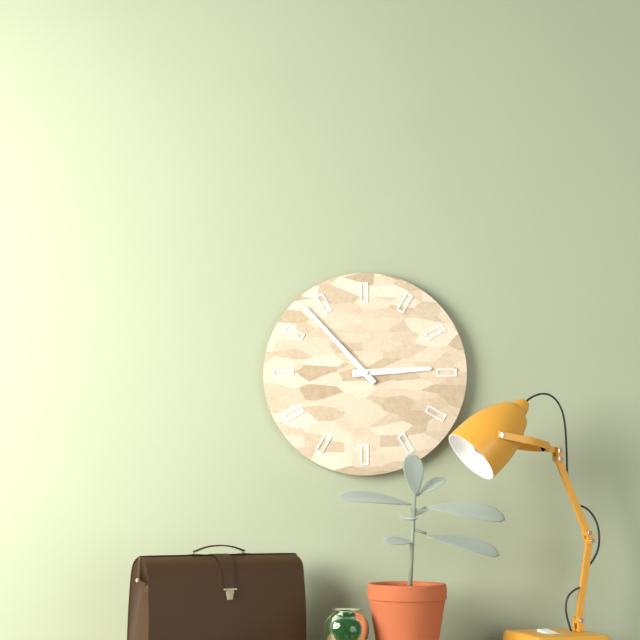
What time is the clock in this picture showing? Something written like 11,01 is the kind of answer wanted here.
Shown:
2,53
